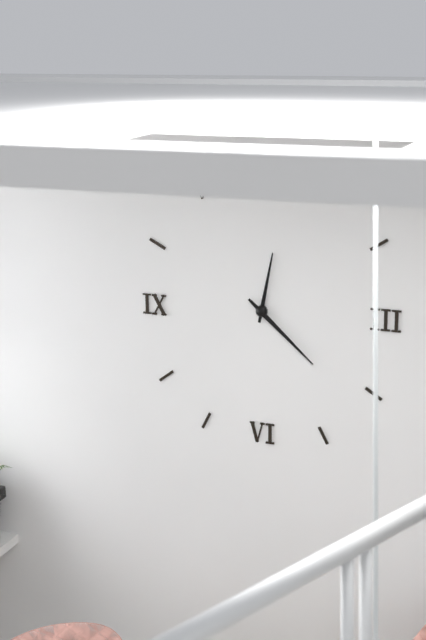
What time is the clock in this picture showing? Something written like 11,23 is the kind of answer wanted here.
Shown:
12,22
